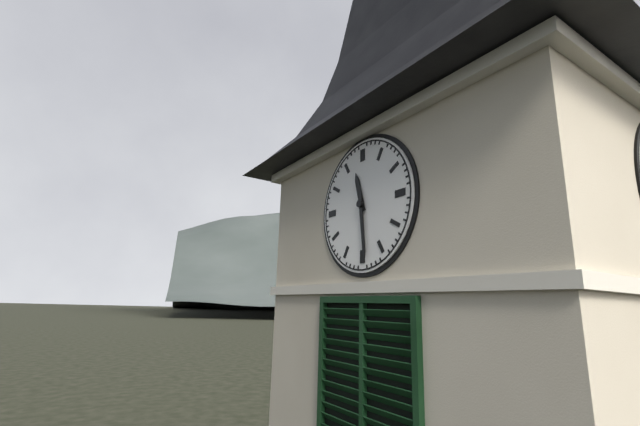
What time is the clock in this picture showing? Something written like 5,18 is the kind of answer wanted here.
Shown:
11,29
